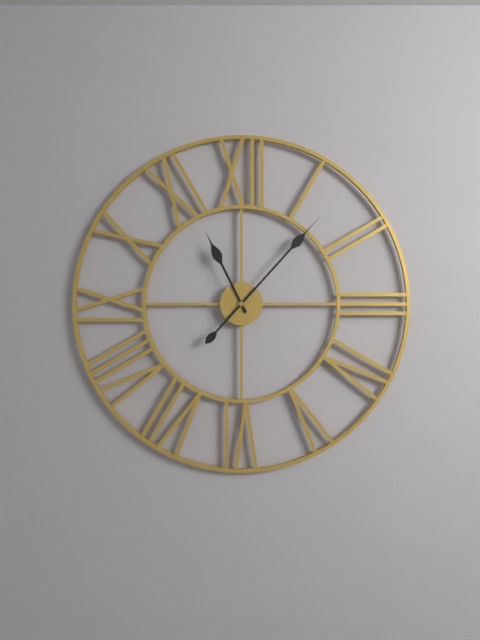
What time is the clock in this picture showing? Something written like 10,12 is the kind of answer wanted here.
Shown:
11,07
